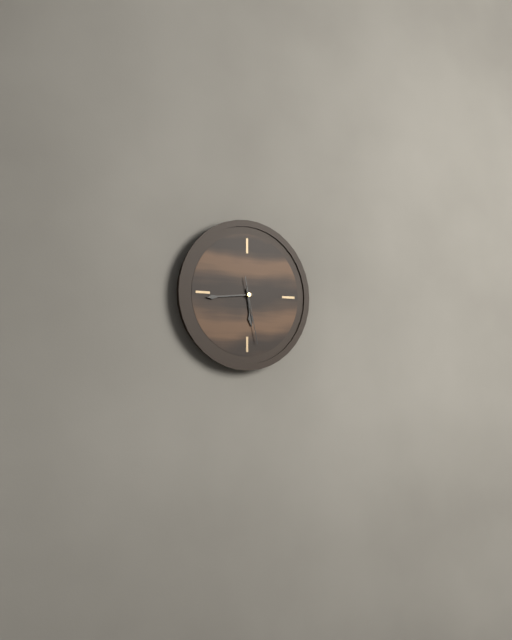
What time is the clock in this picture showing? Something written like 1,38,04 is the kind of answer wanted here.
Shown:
5,44,28
